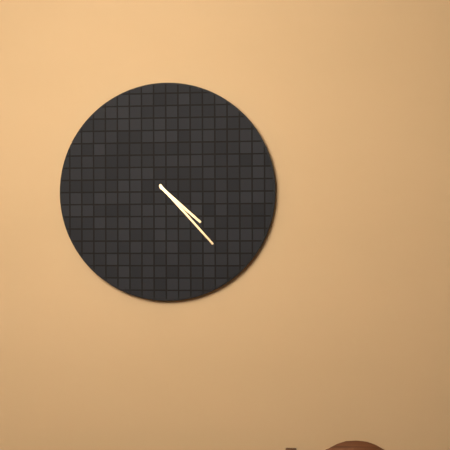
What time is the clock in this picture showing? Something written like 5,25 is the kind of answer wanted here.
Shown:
4,23
